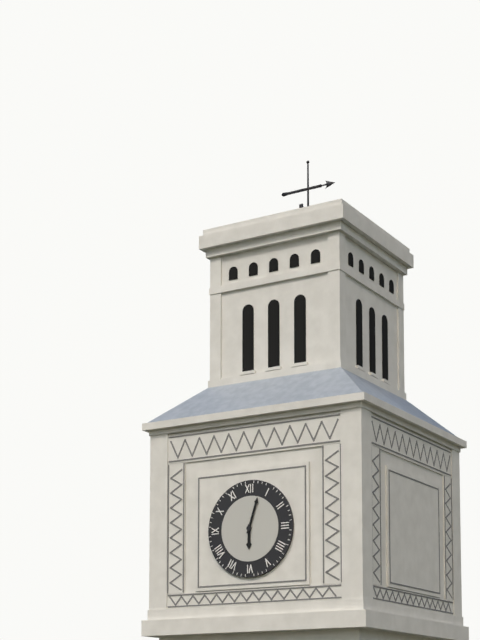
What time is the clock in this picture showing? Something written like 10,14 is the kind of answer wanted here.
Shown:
6,03
